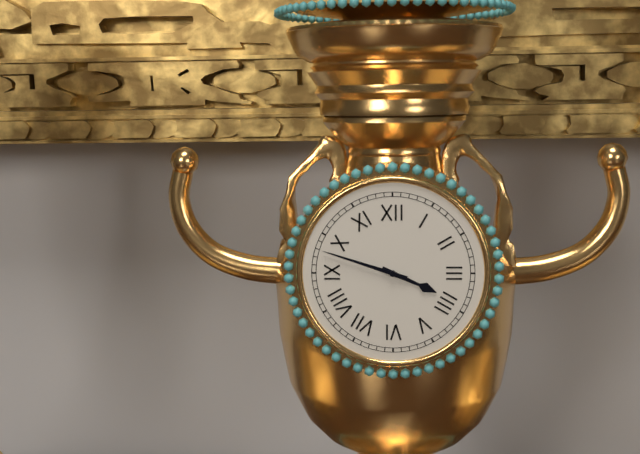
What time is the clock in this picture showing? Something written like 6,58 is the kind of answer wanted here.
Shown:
3,48
